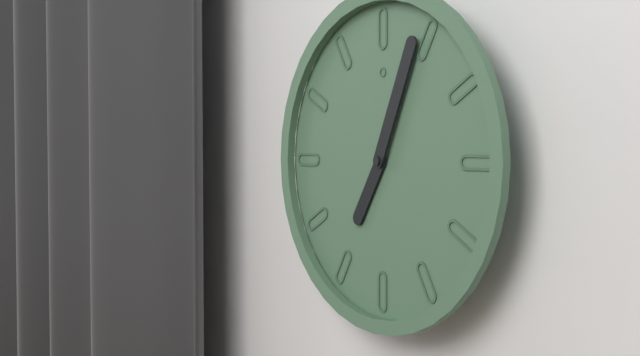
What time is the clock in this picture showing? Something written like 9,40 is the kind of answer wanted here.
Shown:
7,04
